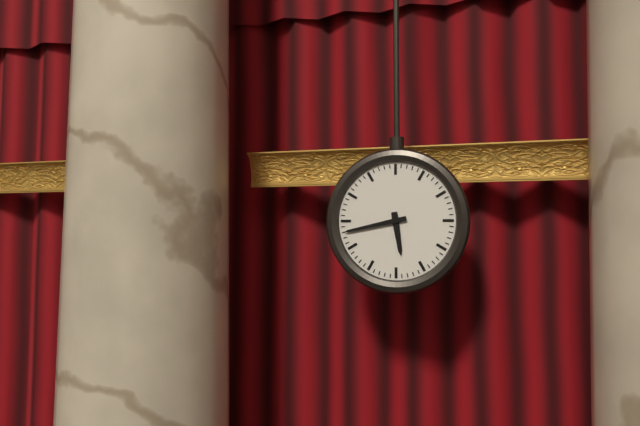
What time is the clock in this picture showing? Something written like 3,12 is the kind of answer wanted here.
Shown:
5,43
